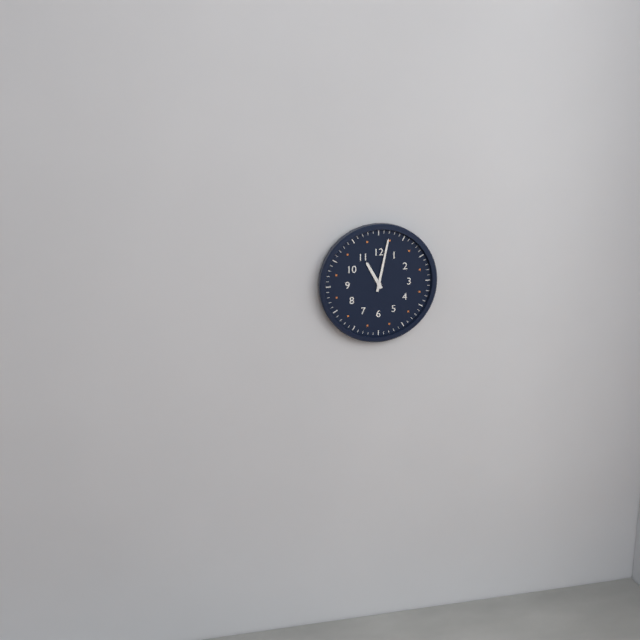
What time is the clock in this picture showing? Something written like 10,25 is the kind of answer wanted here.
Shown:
11,02
